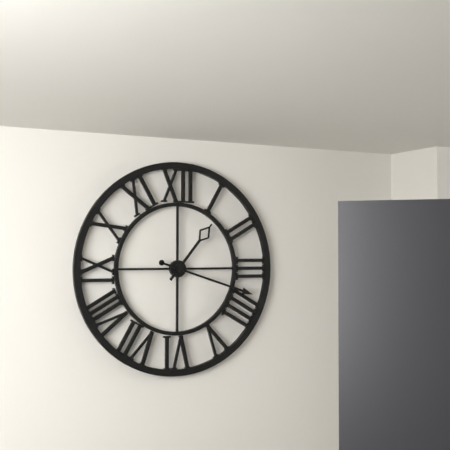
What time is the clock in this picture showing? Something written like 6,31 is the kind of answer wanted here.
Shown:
1,18
